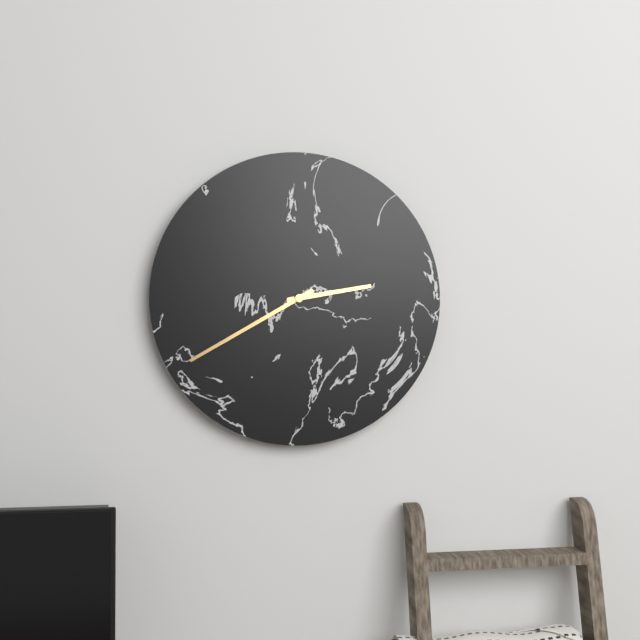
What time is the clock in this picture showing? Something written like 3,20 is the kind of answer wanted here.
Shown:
2,40
